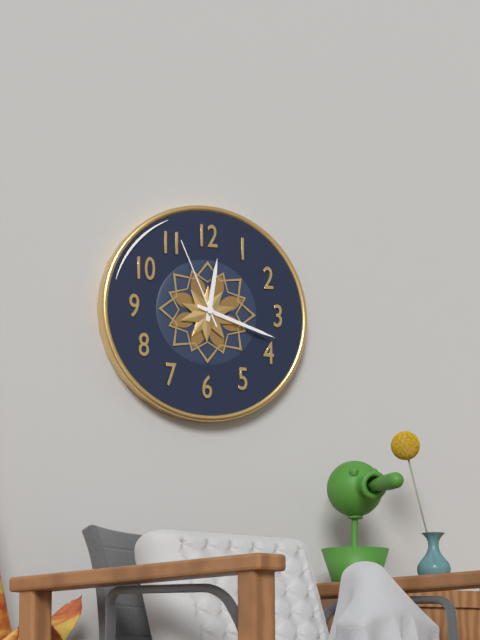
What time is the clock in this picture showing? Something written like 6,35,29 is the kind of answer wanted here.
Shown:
12,18,56
